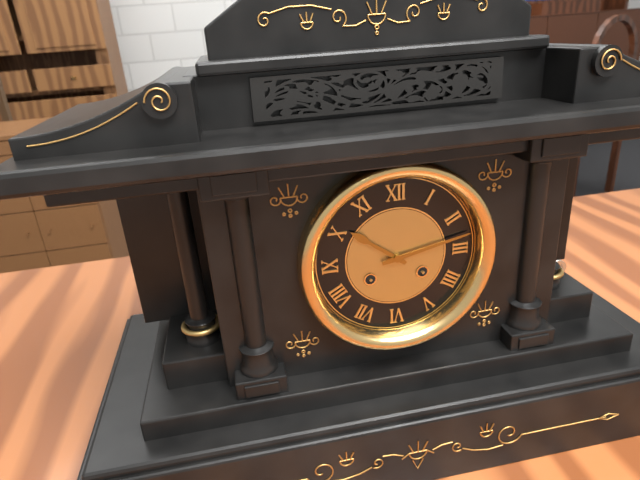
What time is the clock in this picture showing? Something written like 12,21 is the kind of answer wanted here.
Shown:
10,13
